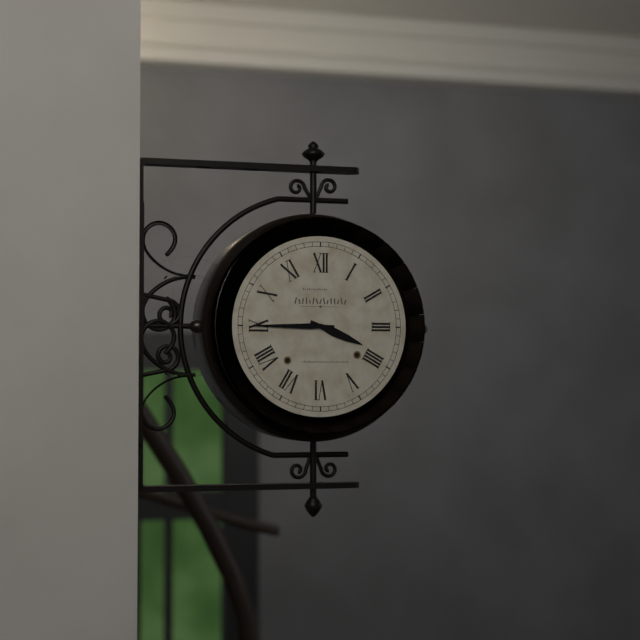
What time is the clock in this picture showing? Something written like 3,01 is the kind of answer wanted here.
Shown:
3,45
